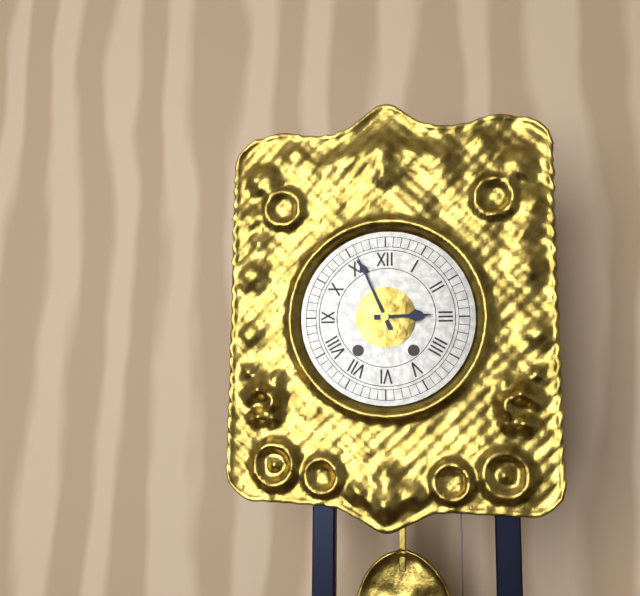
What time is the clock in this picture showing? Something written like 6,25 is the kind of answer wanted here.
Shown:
2,56
